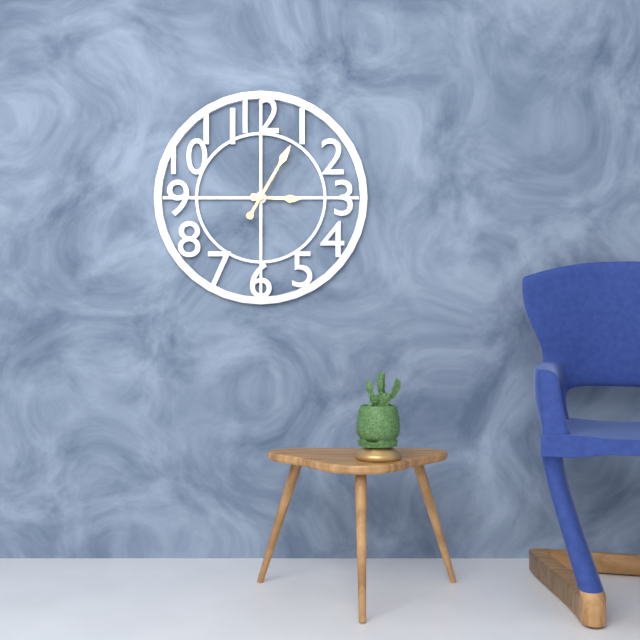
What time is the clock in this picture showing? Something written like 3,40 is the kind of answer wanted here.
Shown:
3,05
